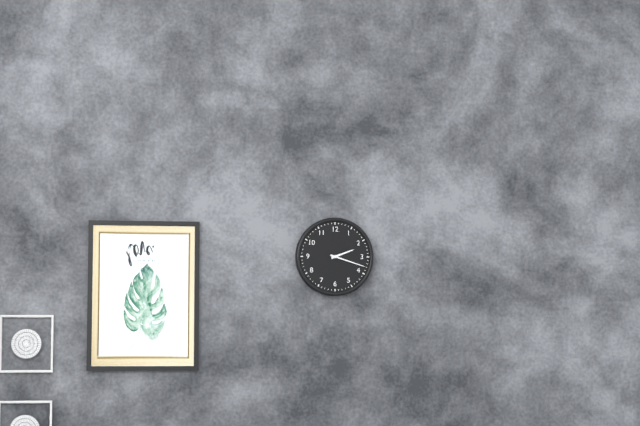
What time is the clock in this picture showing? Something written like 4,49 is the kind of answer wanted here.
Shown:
2,18
